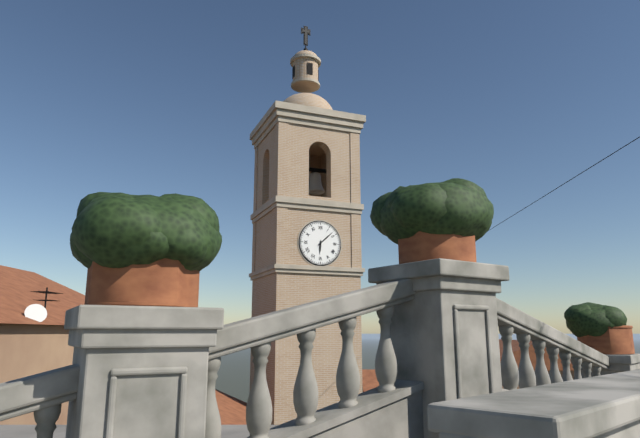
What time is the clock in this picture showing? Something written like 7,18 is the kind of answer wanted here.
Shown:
6,08
